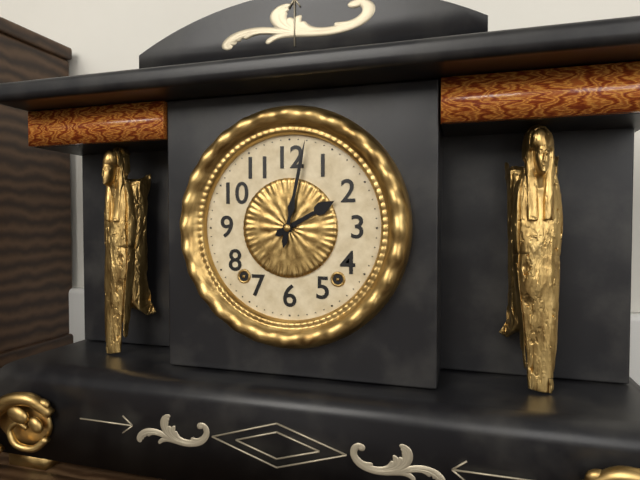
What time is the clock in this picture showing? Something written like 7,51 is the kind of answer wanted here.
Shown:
2,02
